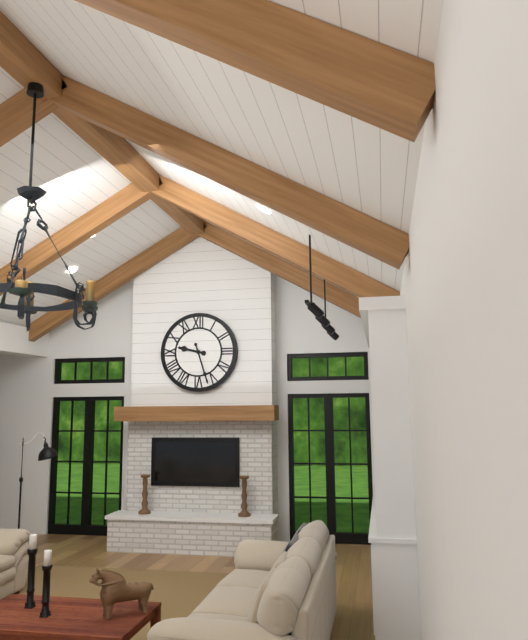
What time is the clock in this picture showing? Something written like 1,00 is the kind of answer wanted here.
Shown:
9,27
